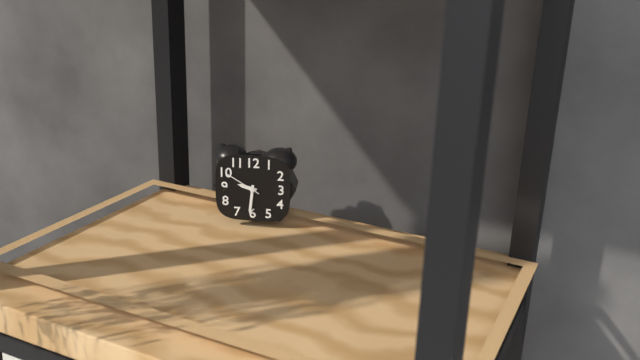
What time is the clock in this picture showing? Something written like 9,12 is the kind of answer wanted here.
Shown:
9,31
